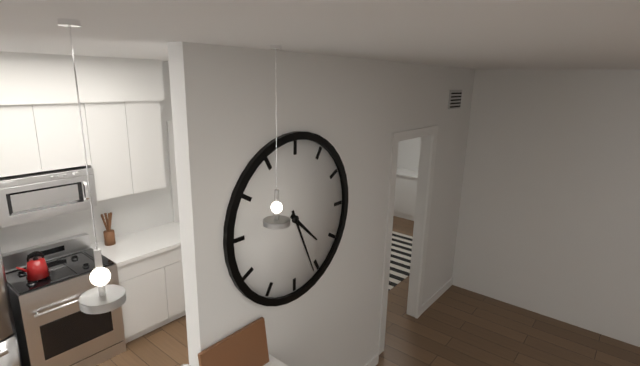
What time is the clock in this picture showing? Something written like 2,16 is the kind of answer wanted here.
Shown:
4,26
